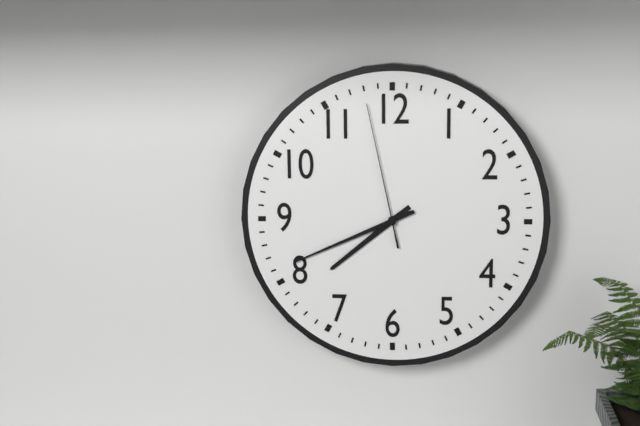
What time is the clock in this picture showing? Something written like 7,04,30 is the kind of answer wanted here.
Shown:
7,41,58
